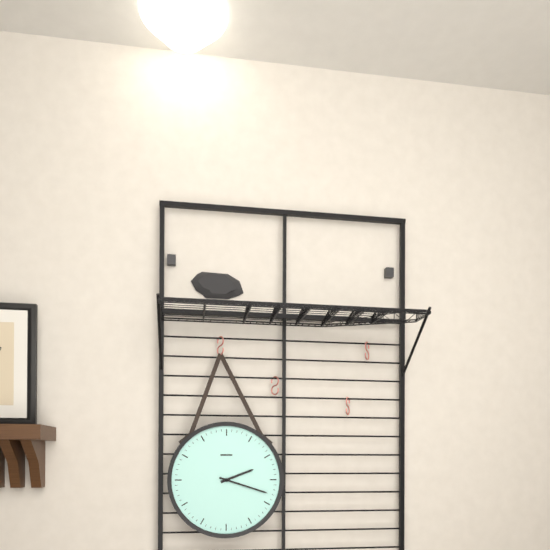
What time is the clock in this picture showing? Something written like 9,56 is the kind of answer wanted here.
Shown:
2,18
